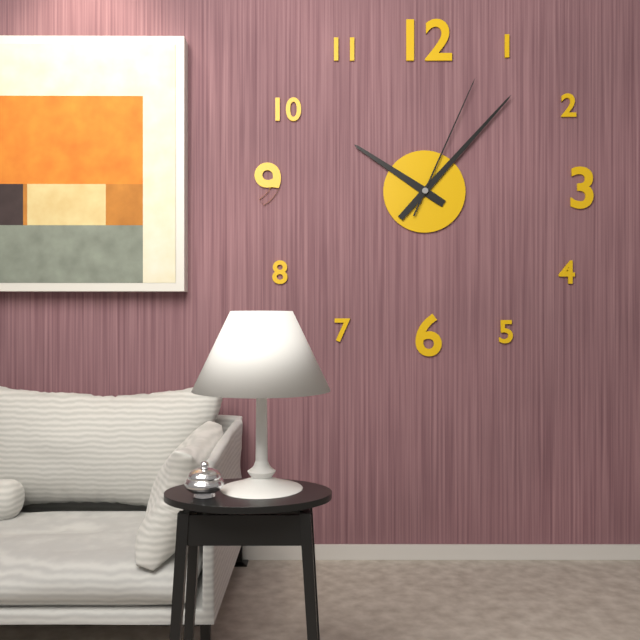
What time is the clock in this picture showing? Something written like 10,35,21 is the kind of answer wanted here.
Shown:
10,07,04
